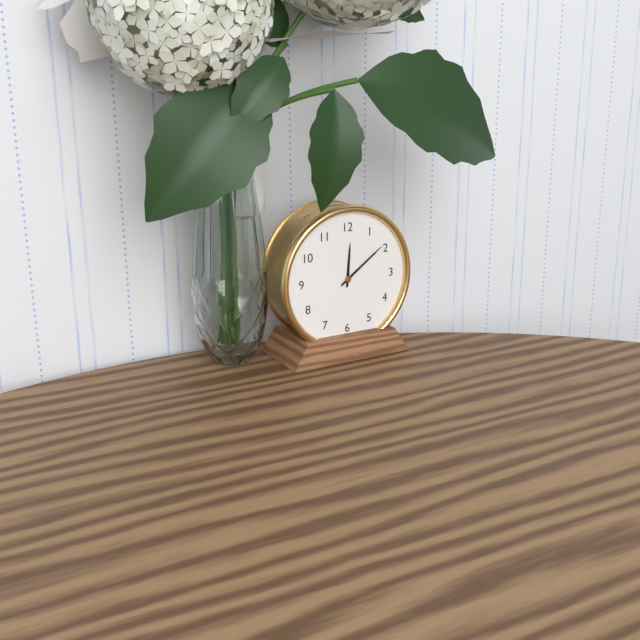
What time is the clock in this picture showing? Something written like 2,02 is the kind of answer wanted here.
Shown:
12,09
